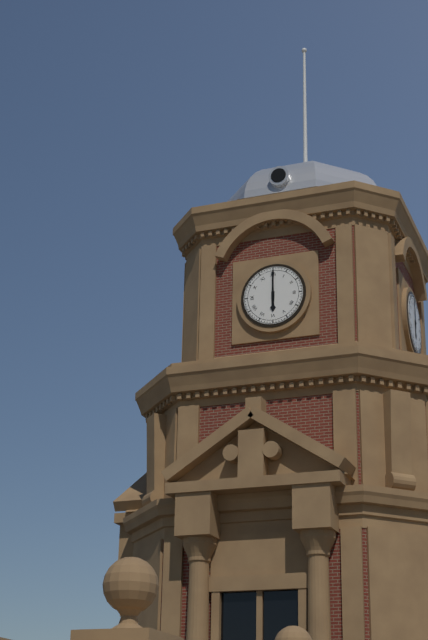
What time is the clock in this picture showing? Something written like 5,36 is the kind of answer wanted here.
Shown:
6,00
